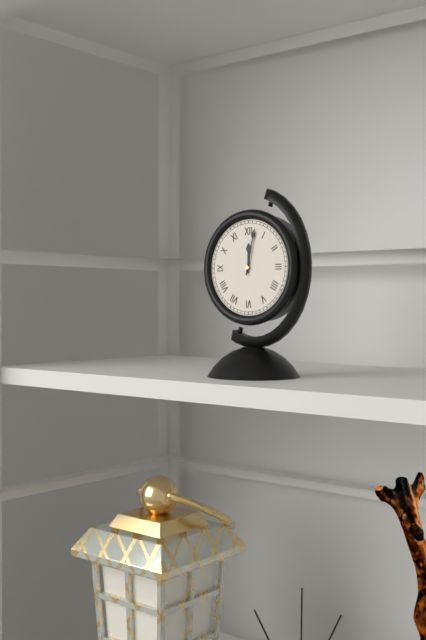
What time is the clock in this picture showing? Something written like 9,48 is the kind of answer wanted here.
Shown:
12,02
